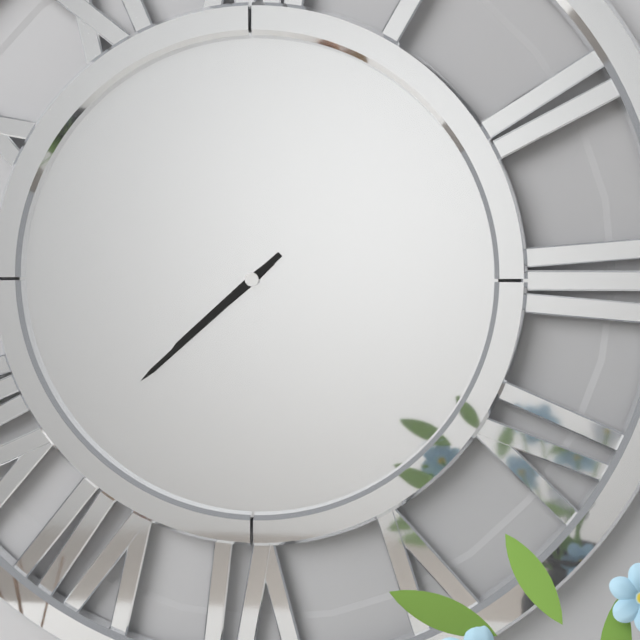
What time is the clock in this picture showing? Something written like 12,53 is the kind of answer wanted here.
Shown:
7,38
